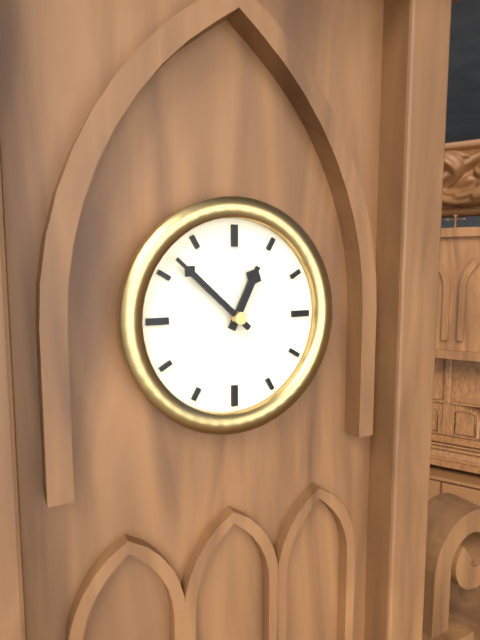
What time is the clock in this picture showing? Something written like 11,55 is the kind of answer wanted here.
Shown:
12,52
